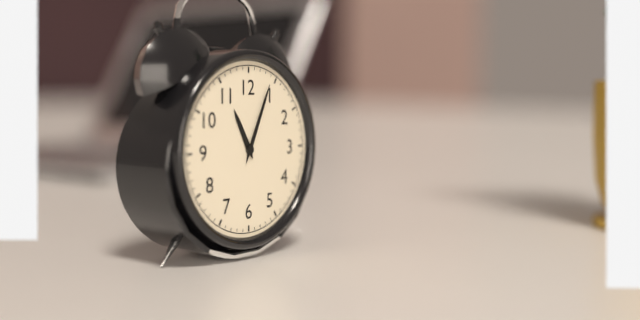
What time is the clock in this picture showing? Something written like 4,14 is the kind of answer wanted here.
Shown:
11,04
